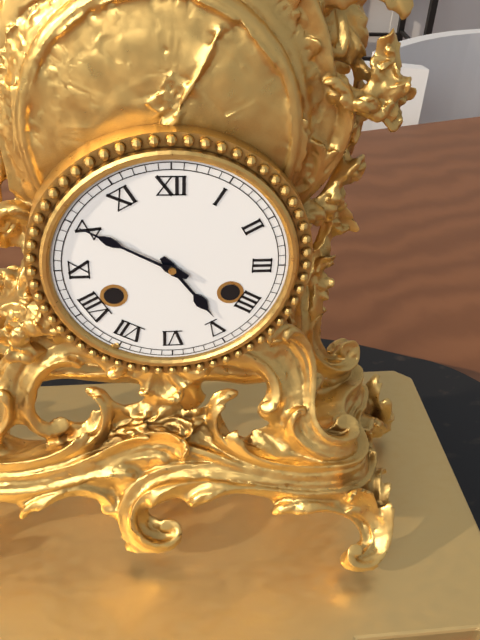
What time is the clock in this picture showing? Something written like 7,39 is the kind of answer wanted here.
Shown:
4,50
